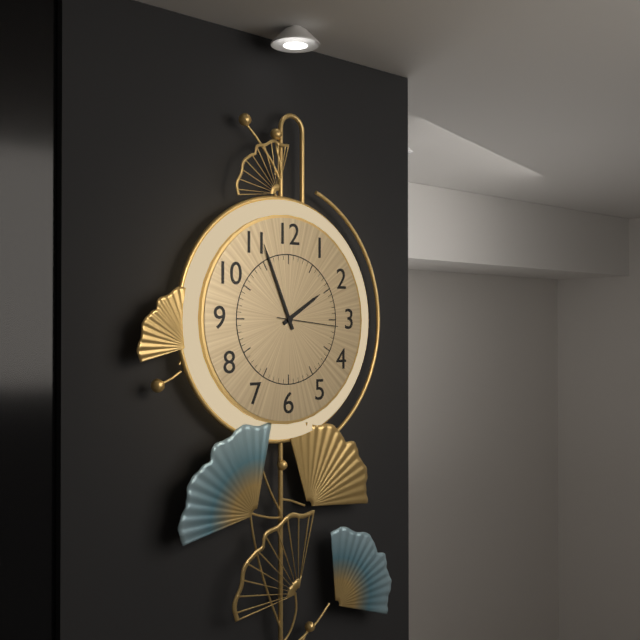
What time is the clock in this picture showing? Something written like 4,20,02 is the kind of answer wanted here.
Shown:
1,56,16
